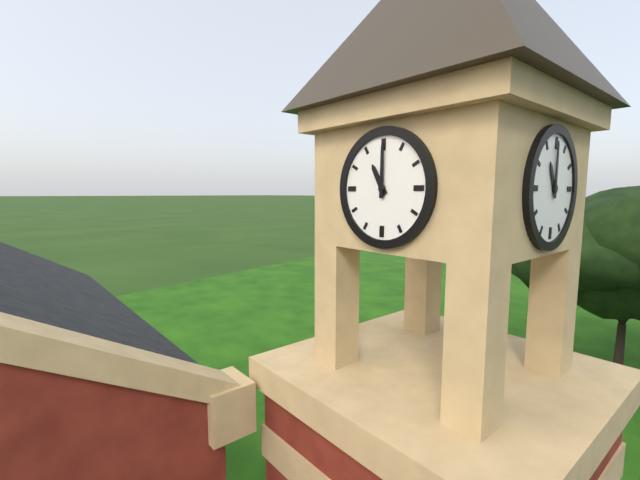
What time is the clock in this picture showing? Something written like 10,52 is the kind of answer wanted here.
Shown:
11,00
